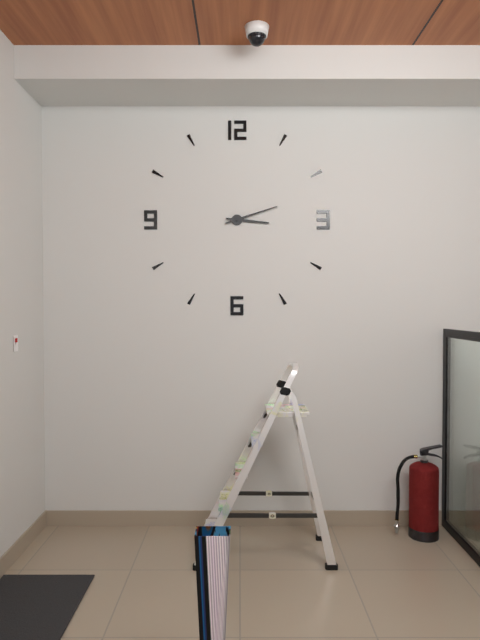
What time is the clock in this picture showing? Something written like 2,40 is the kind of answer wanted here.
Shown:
3,12
